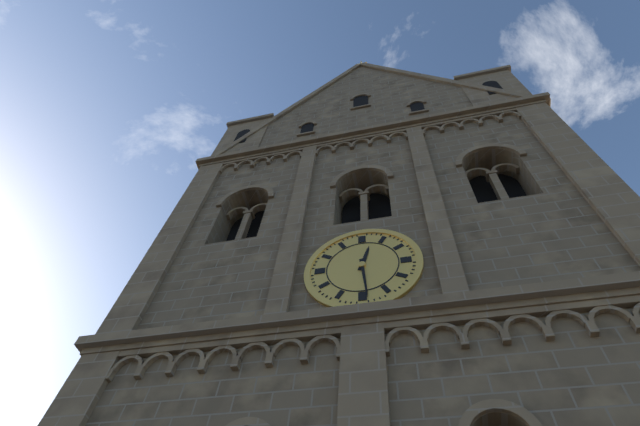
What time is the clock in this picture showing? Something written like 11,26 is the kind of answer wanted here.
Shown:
12,29
